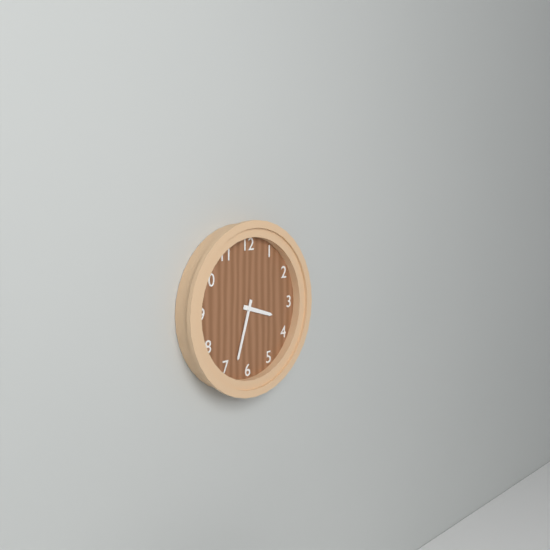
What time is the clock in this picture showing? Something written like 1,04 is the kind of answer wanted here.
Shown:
3,33
